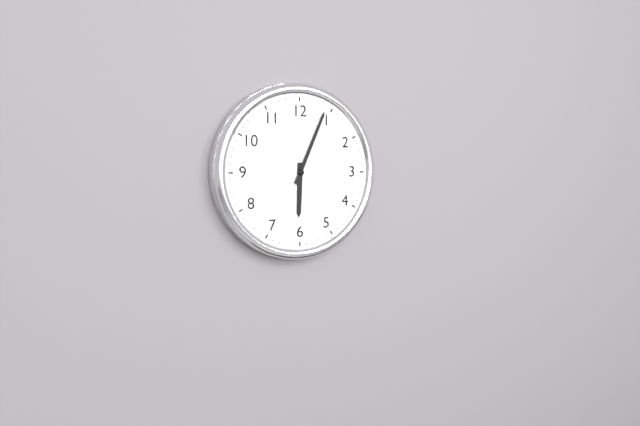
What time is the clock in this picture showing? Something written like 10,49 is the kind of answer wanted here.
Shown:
6,04
